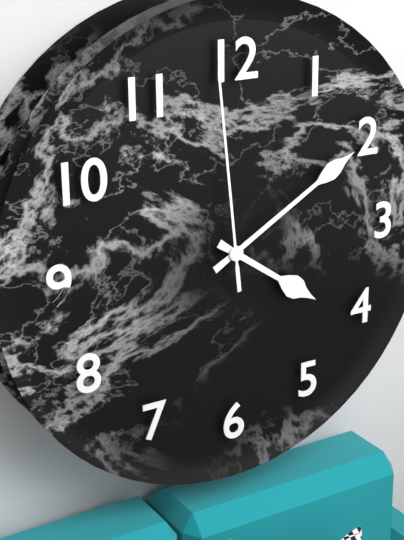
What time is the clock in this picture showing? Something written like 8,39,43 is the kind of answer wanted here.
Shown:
4,10,59
